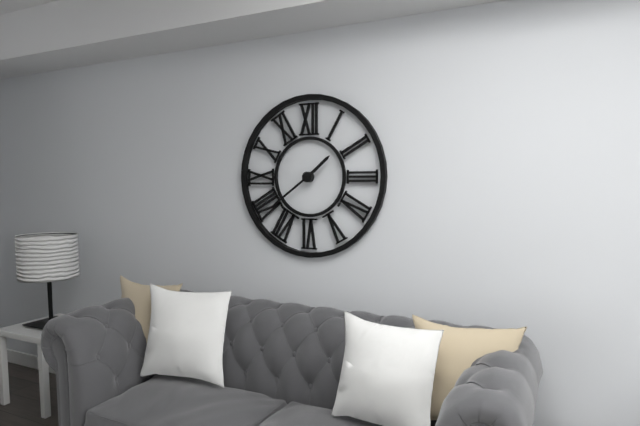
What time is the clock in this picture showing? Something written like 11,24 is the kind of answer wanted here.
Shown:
1,39
